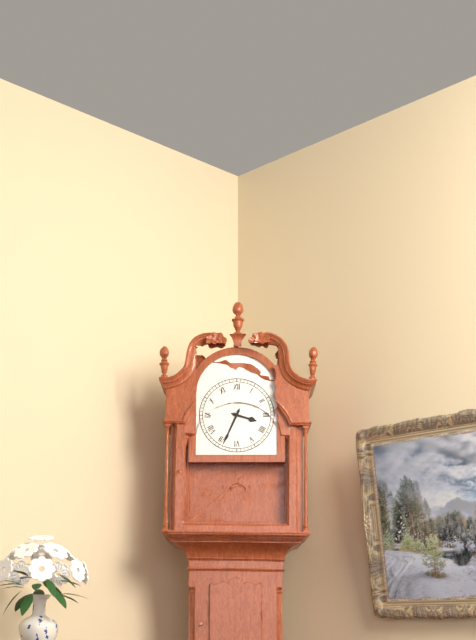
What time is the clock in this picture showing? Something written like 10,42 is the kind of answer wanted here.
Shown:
3,34
